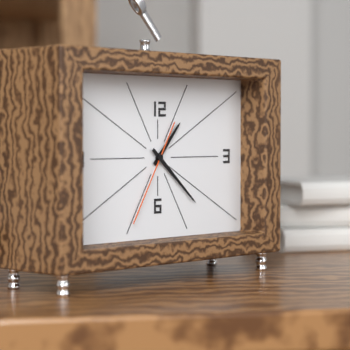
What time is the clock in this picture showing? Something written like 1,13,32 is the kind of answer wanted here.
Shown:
1,22,35
